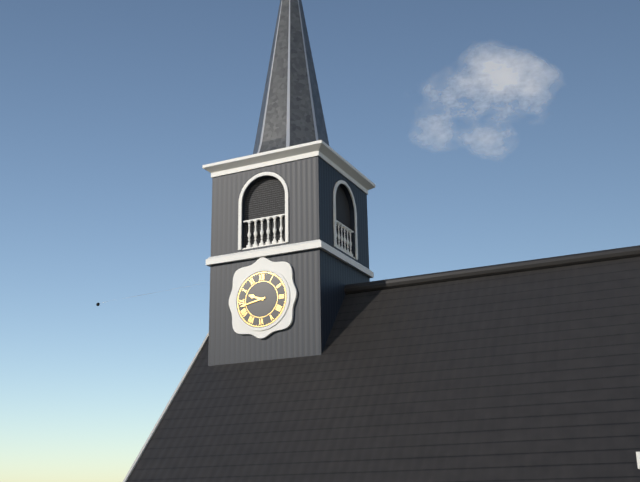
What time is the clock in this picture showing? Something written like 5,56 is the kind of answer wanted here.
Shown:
9,43
